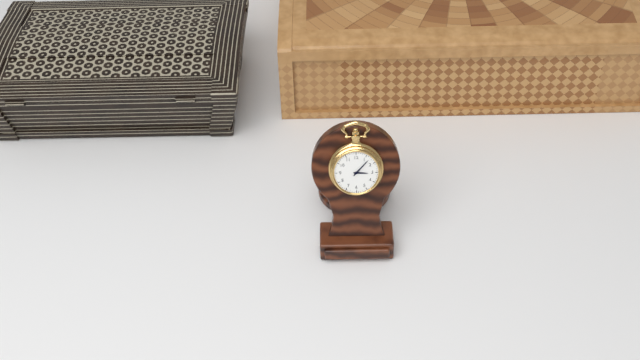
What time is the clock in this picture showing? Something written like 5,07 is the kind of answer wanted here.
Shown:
3,07
